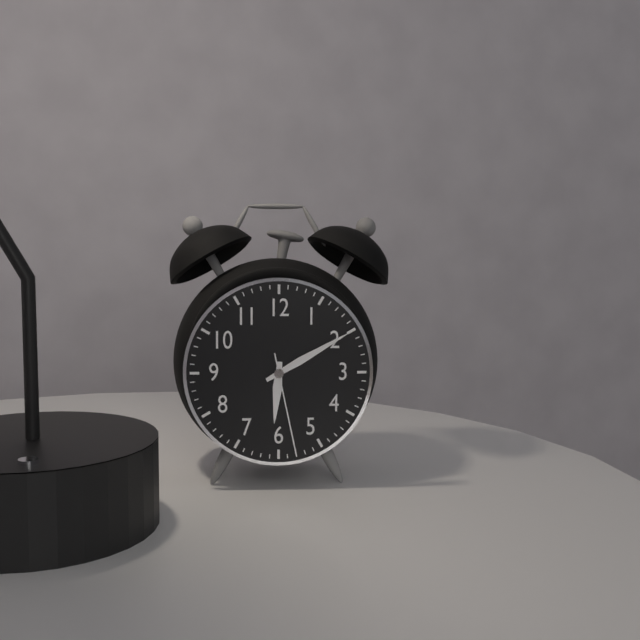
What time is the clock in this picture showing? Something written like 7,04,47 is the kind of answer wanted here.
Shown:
6,10,28
